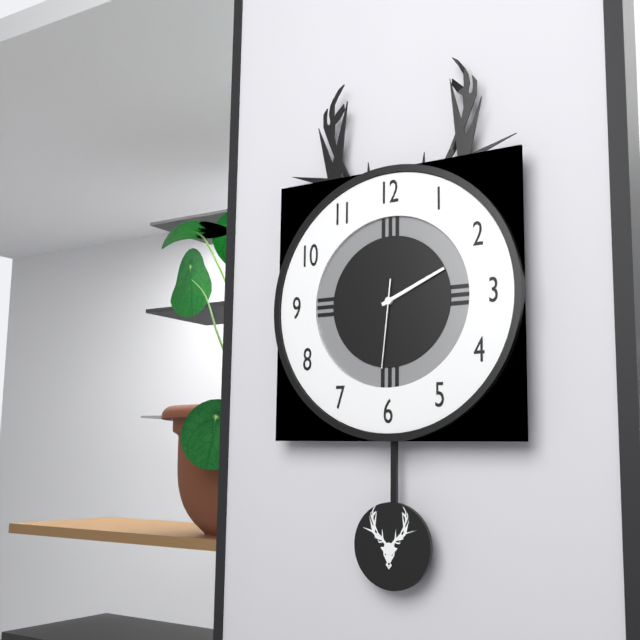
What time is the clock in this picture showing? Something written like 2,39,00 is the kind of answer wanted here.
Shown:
2,11,31
